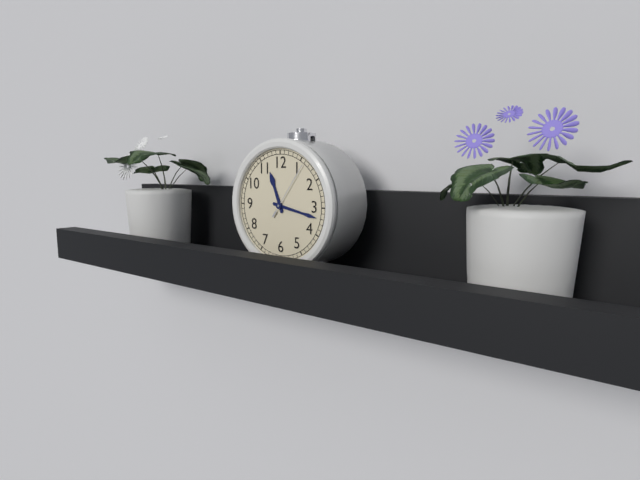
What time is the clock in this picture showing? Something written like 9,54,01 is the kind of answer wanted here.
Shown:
11,17,06
